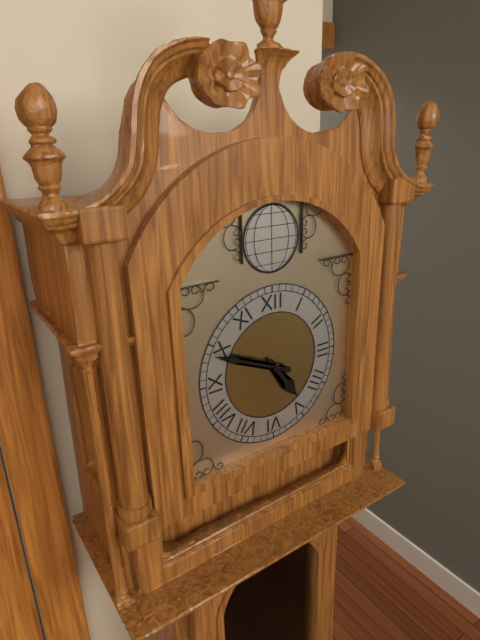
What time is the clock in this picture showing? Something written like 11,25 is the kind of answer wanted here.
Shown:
4,49
